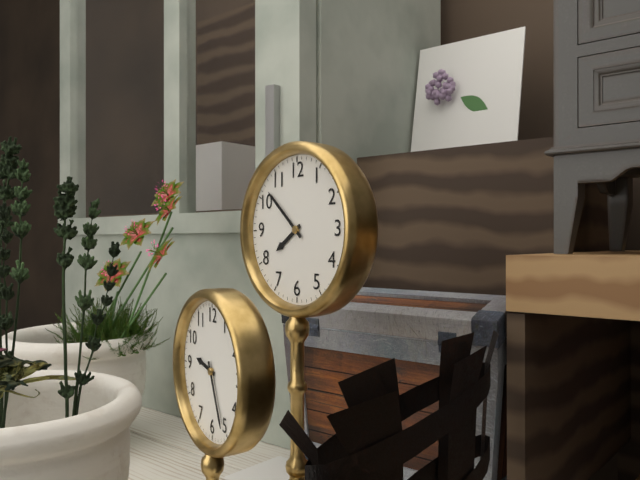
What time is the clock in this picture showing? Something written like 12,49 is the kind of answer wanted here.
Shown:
7,52
